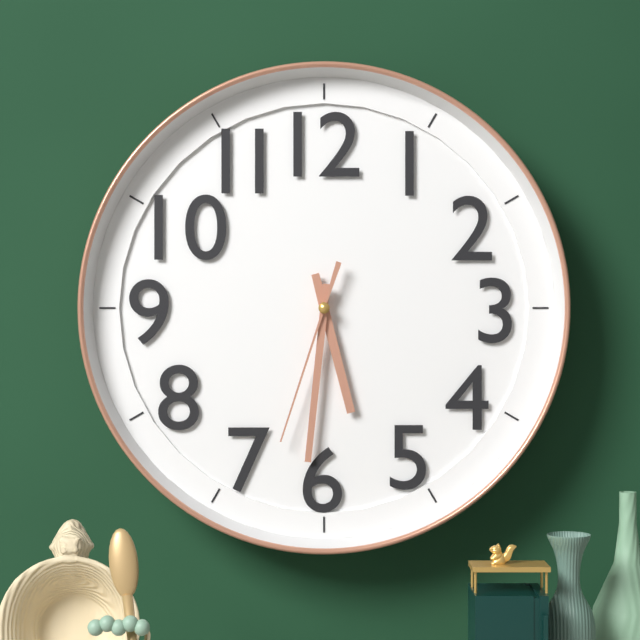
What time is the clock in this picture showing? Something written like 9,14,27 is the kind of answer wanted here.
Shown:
5,31,33
